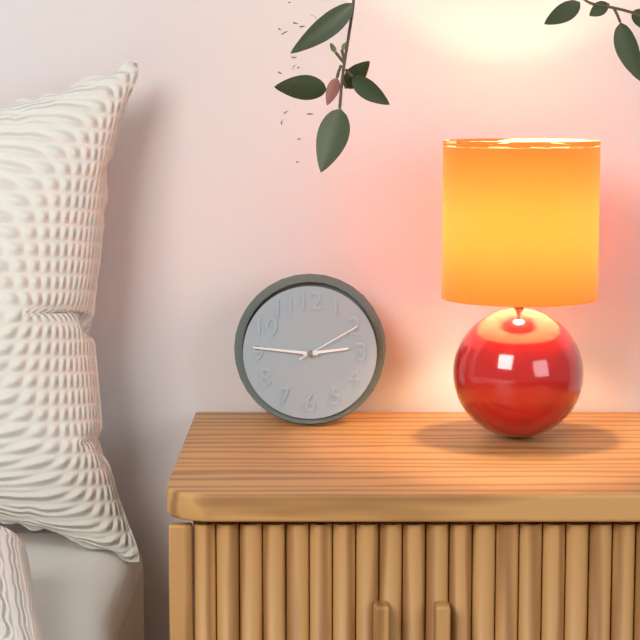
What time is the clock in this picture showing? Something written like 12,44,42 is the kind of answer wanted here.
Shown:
2,46,10
